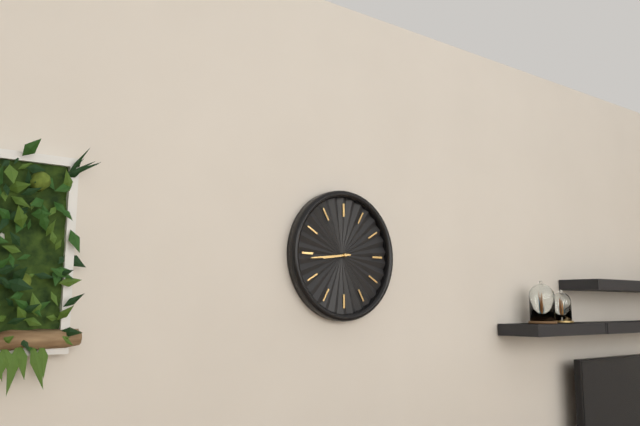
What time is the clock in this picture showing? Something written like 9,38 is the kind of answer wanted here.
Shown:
8,44
